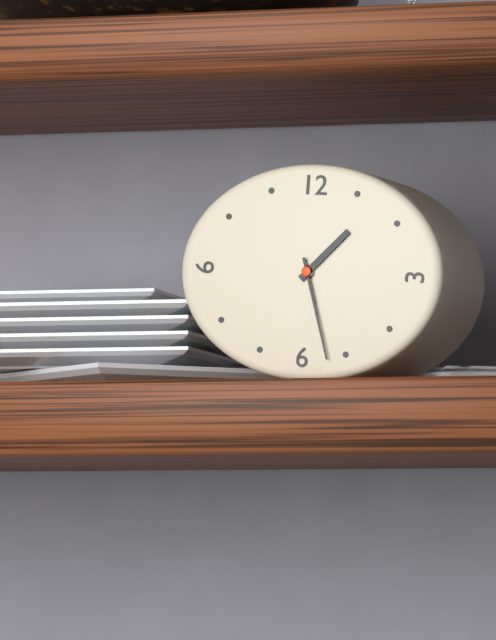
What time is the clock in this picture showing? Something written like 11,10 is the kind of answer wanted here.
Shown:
1,27
